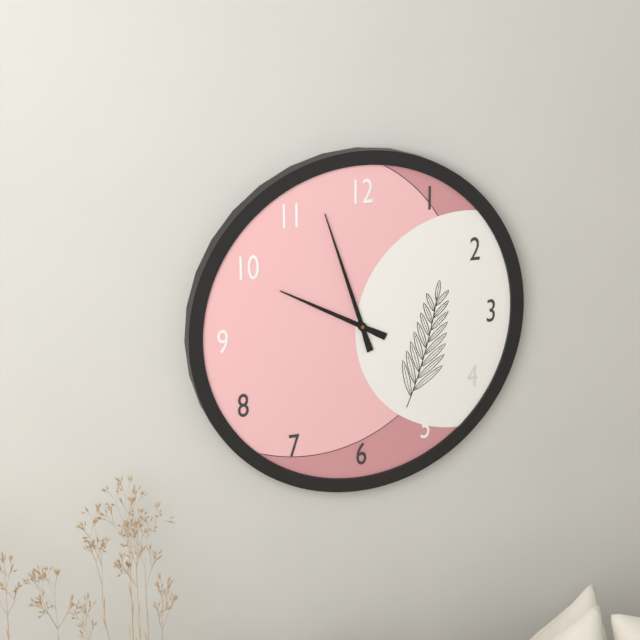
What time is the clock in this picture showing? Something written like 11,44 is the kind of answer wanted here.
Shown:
9,57
